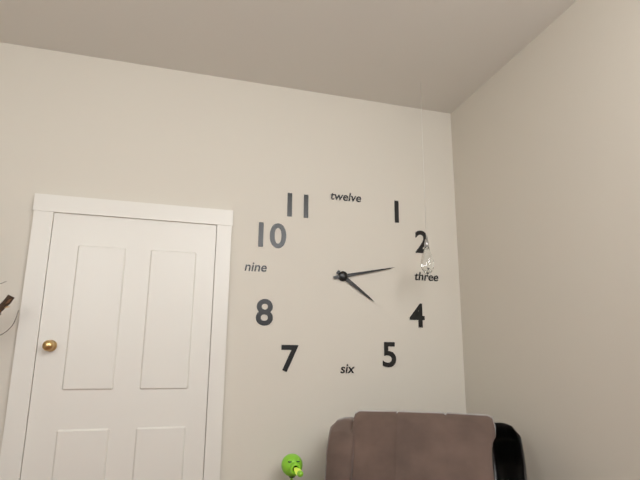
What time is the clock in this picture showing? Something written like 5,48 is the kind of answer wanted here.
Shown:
4,13
